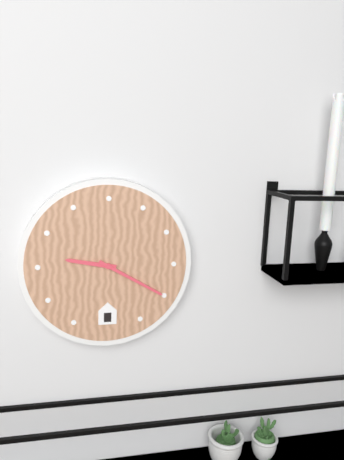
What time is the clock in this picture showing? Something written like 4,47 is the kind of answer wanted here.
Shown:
9,20
